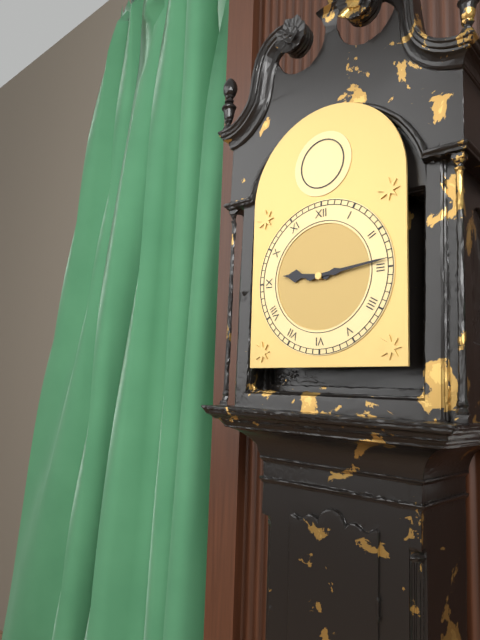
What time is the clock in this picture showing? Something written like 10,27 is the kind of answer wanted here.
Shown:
9,14
